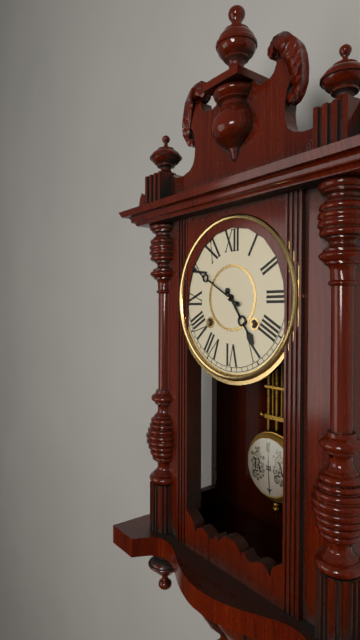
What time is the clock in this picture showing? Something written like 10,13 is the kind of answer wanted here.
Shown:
4,50
